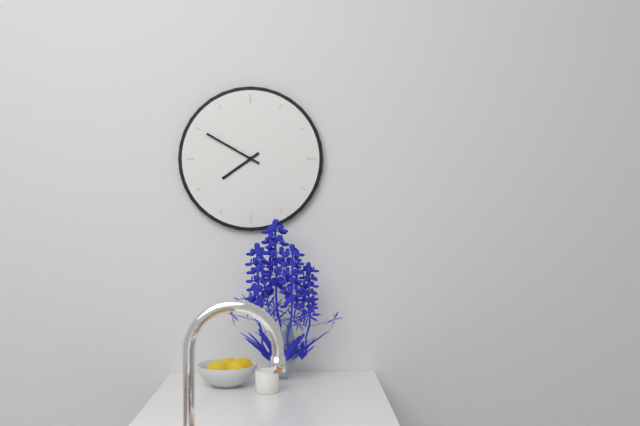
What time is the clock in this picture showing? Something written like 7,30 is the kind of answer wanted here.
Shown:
7,50
